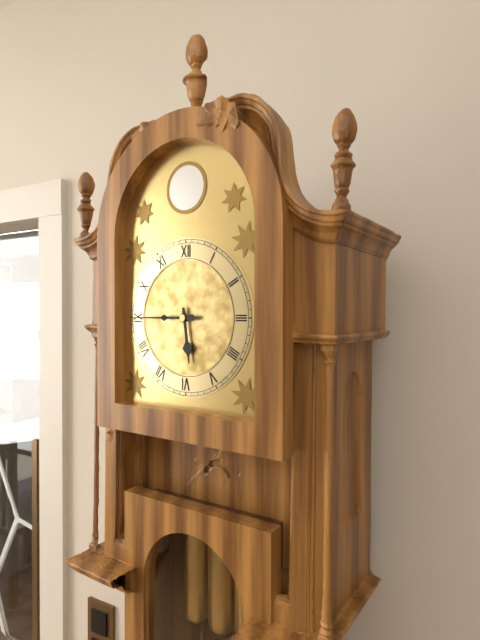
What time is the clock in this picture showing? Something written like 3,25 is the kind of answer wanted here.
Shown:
5,45
